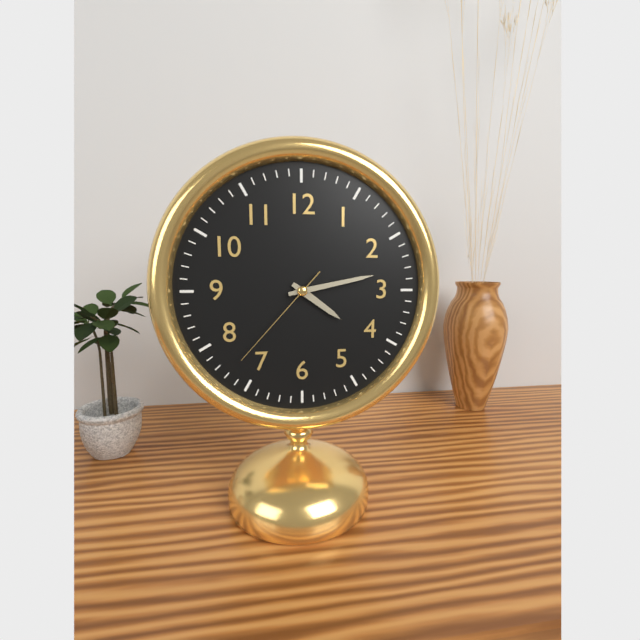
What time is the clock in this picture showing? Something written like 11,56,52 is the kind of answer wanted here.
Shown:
4,13,37
